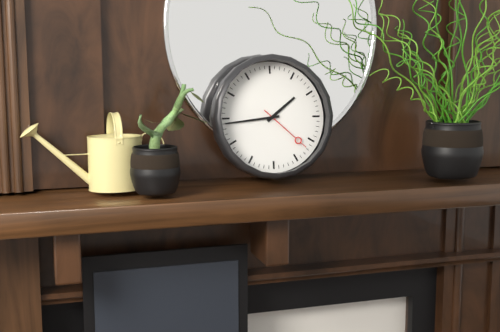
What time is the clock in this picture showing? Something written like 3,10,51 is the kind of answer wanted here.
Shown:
1,44,22
